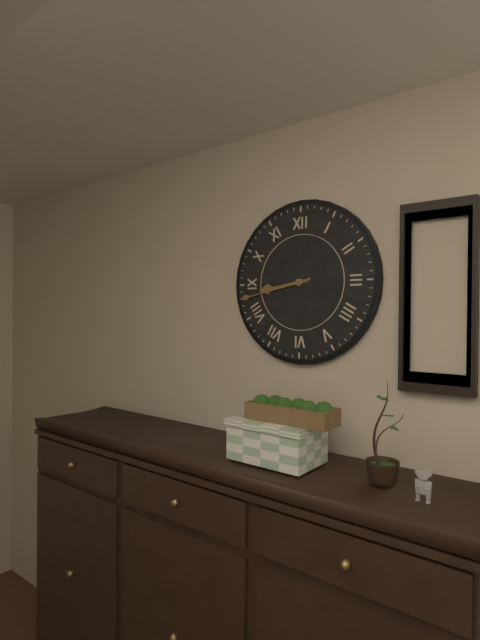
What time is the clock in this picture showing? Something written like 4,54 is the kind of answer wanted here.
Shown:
8,43
